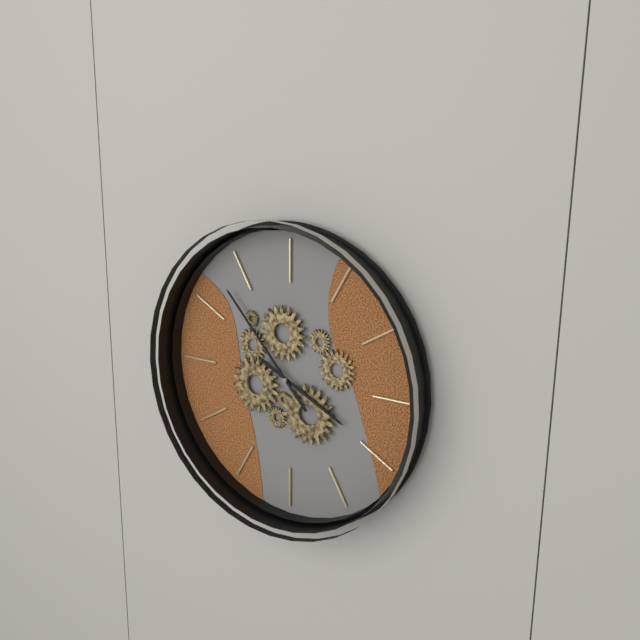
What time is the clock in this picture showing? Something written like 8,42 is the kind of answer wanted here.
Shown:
3,53
